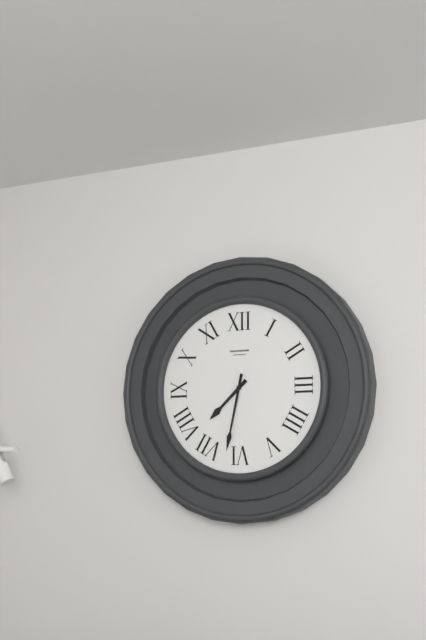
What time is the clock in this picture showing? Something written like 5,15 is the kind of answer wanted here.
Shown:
7,32
